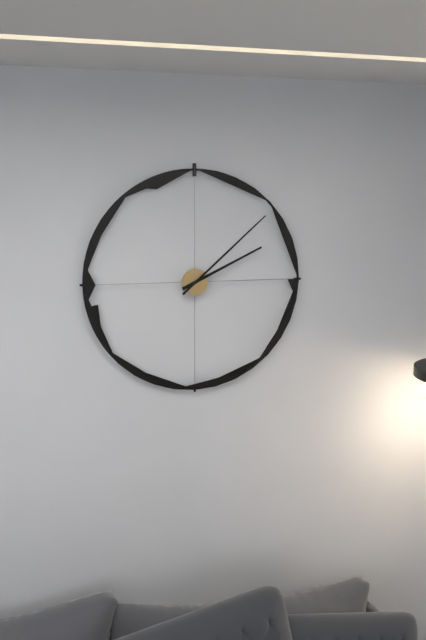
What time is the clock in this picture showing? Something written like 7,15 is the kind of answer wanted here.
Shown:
2,08
